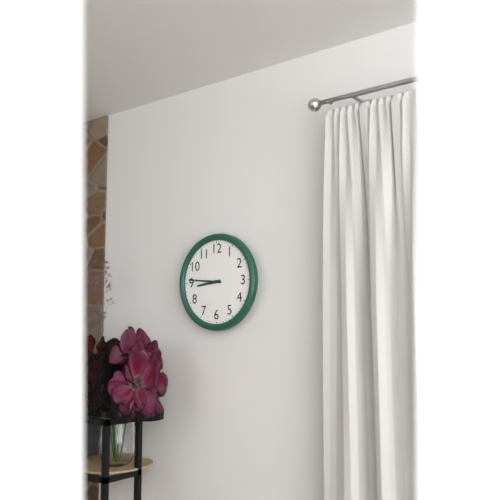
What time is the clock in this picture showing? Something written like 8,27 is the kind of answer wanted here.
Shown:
8,46
